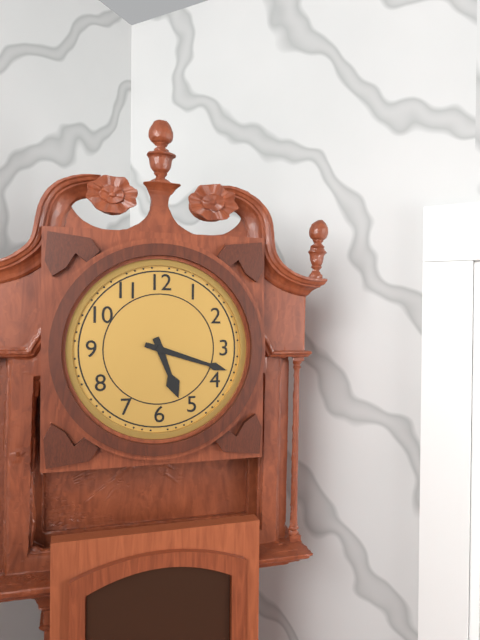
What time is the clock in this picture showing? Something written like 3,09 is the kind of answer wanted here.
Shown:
5,18
